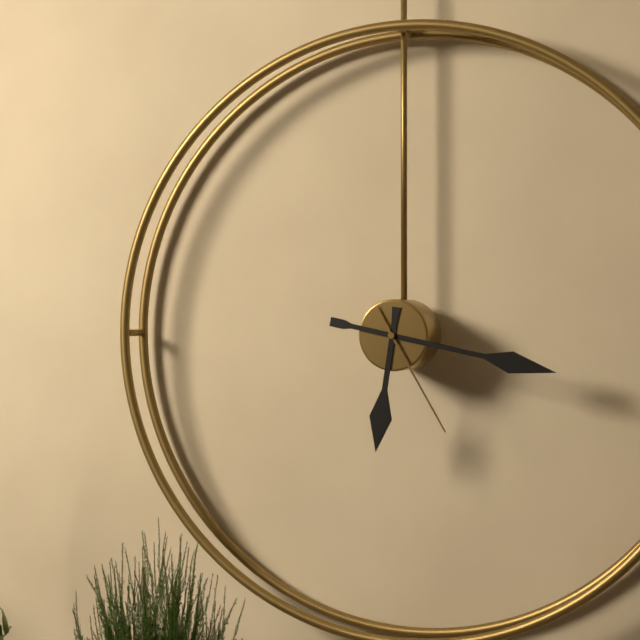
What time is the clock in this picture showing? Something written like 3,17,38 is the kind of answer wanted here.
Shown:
6,17,25
